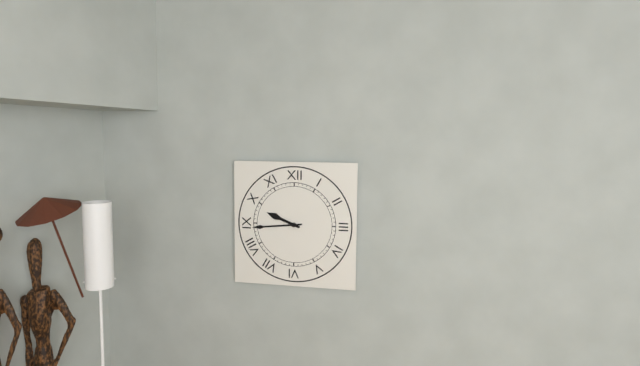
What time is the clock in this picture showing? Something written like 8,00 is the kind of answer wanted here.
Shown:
9,44
